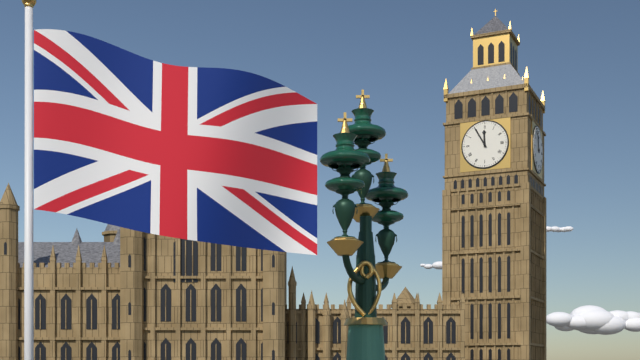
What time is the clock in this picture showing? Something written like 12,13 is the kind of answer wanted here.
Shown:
11,55
